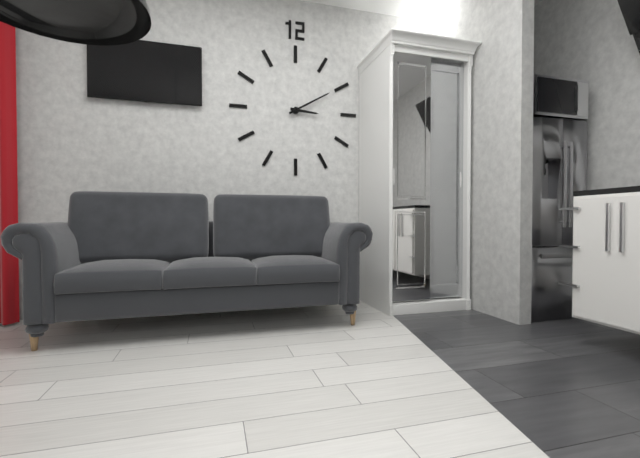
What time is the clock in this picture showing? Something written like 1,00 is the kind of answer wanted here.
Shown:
3,10
